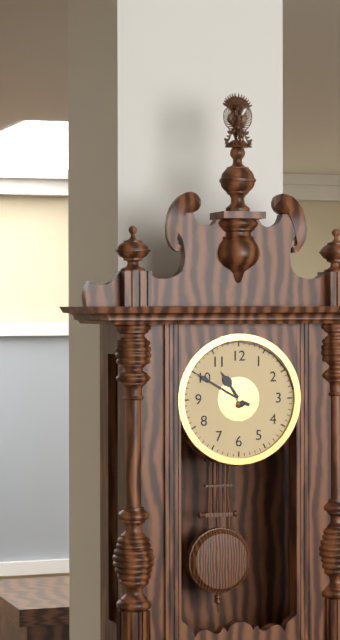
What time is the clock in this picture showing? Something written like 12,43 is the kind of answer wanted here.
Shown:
10,50
